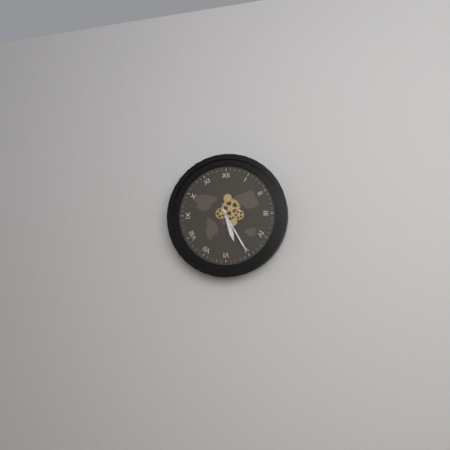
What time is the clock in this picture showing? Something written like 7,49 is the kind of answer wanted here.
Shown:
5,25
